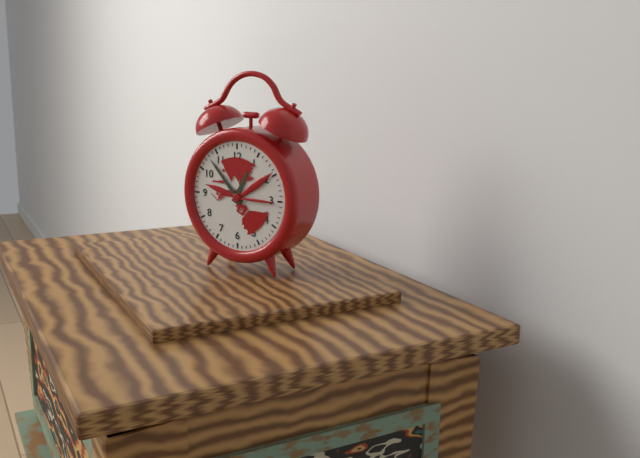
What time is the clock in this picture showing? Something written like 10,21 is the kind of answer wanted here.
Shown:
12,53
